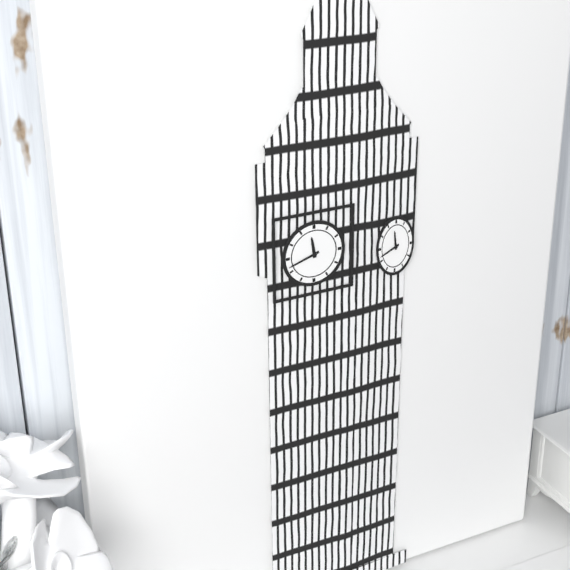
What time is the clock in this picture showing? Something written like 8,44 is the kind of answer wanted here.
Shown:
11,42
